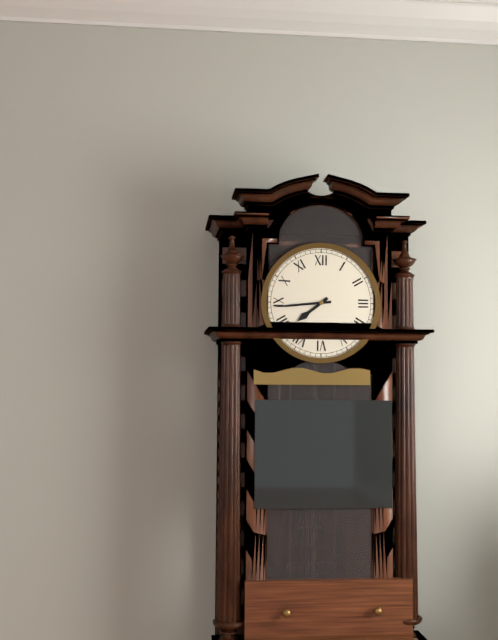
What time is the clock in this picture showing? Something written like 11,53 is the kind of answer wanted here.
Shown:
7,44
